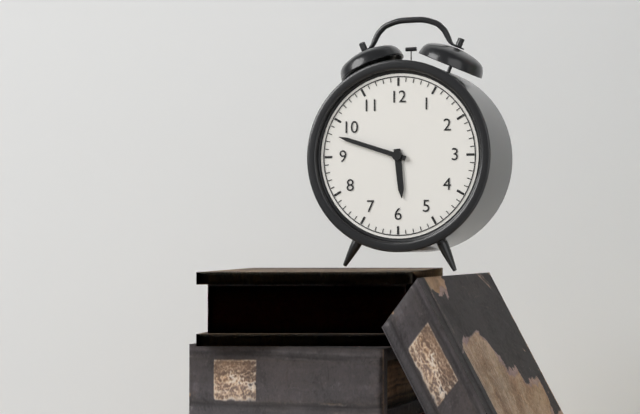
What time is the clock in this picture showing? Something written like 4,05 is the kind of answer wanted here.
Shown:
5,48
